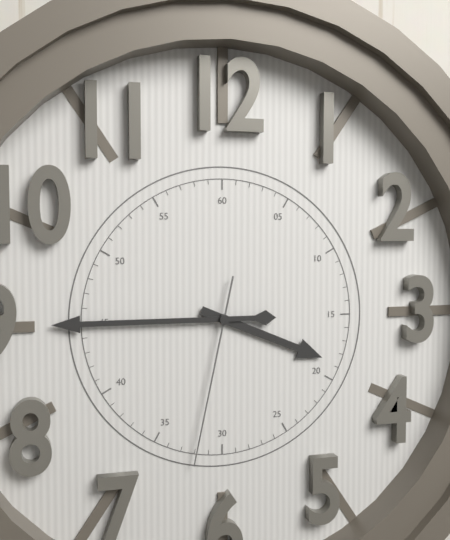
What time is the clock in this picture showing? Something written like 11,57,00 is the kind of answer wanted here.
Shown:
3,45,32
